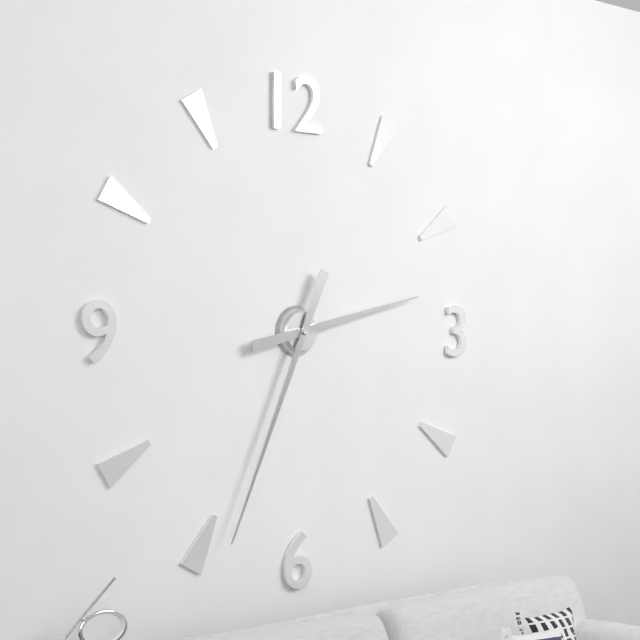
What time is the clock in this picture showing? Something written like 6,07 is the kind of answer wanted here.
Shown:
2,34
